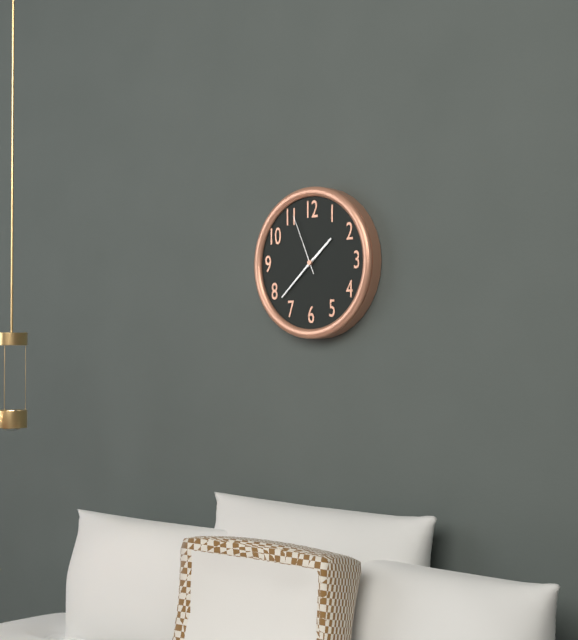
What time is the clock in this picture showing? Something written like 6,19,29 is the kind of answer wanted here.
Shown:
1,38,56
